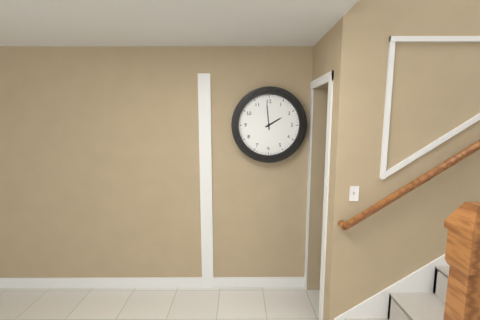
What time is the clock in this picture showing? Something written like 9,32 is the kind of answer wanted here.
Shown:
1,59
